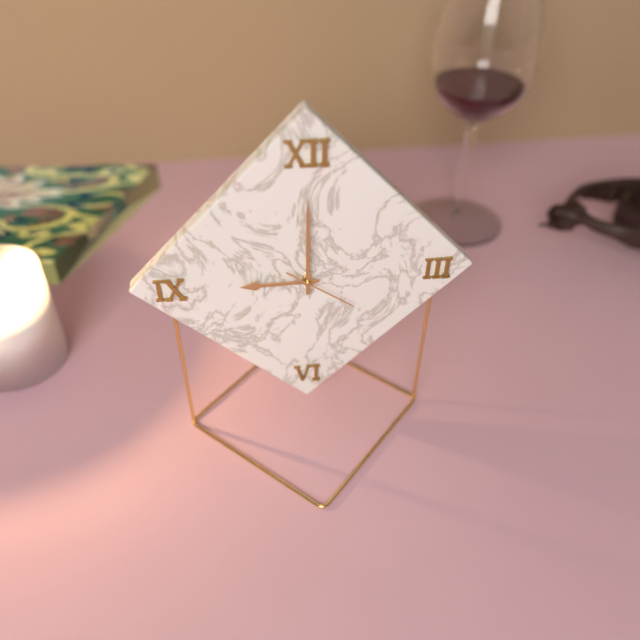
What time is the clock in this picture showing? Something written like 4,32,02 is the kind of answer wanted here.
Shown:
9,00,21
